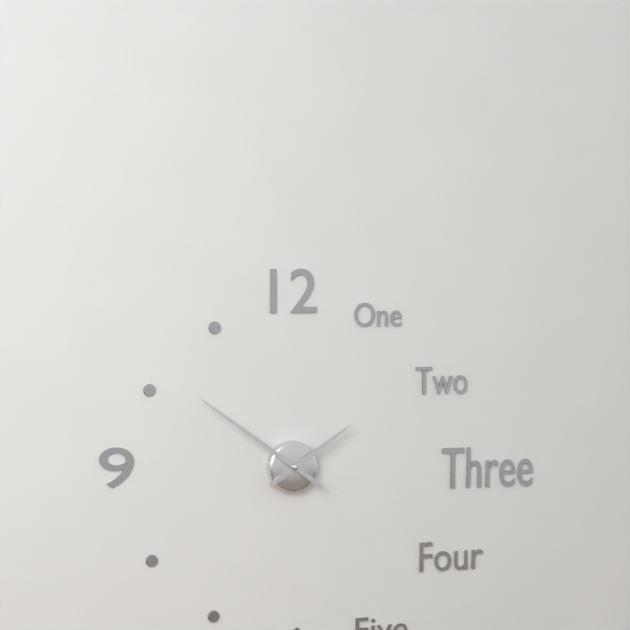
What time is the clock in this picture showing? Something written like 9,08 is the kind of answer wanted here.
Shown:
1,51
